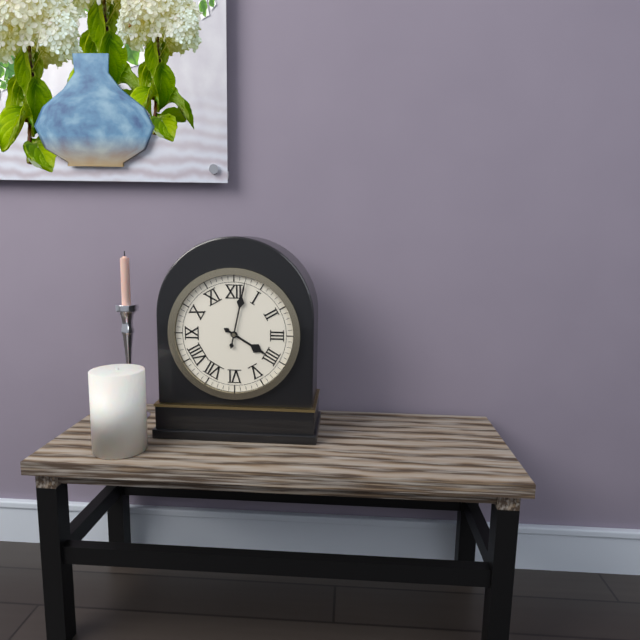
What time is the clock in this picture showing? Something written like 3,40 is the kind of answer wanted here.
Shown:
4,02
